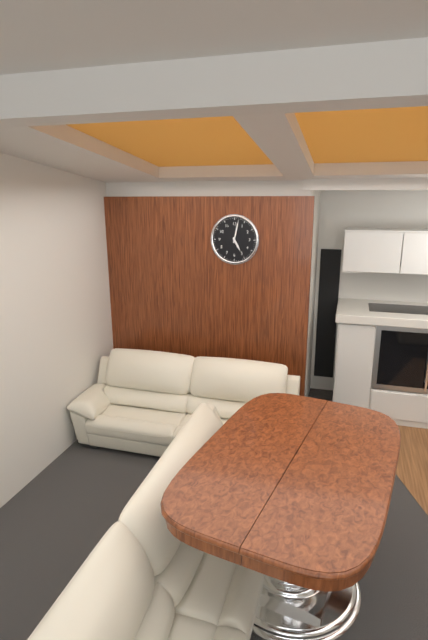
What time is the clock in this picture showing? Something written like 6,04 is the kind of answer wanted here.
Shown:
5,02
